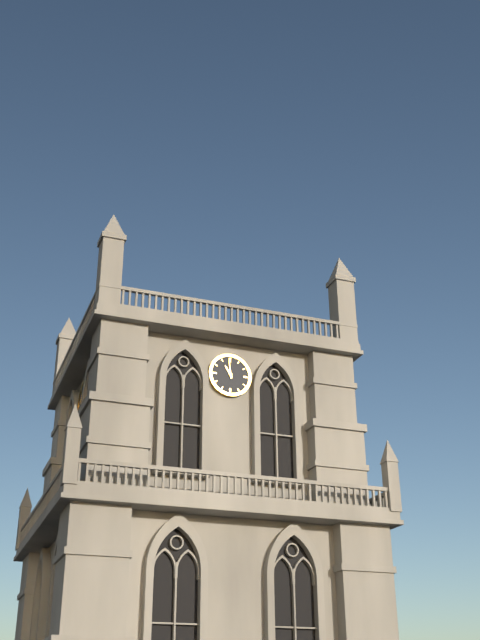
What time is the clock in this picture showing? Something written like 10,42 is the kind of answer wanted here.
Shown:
10,59
